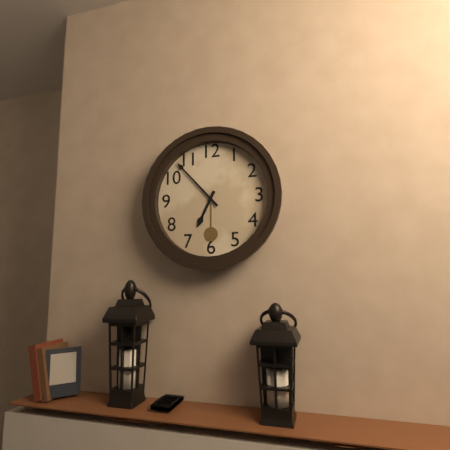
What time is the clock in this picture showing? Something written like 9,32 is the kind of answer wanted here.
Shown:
6,53
